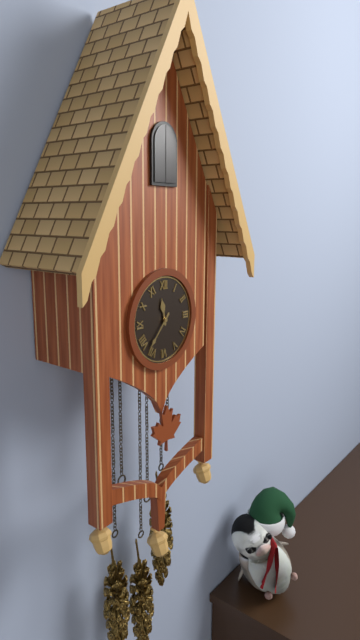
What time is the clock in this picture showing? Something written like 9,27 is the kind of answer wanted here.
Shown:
11,37
